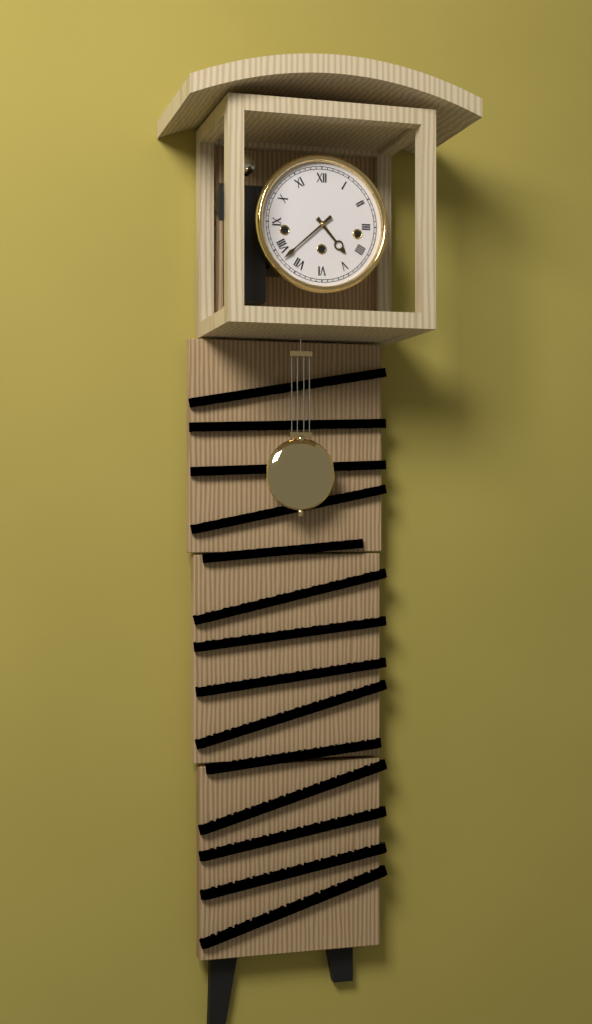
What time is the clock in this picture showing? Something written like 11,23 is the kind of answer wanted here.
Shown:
4,38
